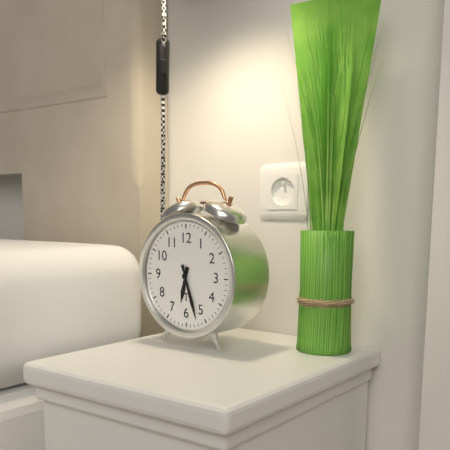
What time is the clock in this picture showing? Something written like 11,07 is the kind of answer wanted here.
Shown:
6,27
